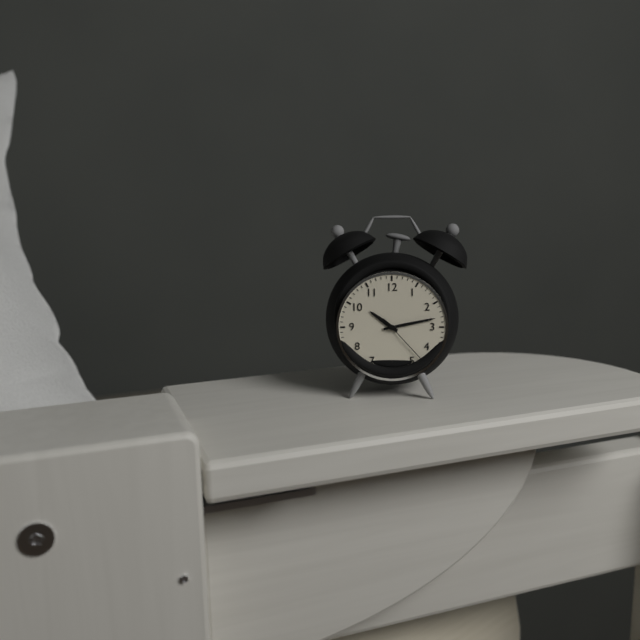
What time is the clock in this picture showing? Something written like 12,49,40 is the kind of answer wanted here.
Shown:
10,13,23
